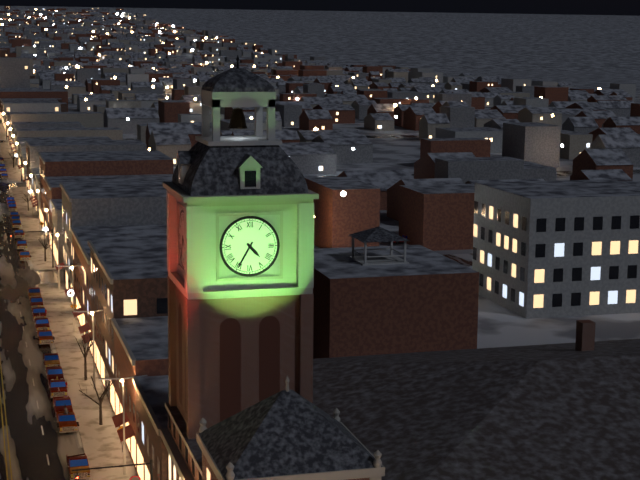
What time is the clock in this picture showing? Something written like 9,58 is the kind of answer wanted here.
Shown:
4,35
